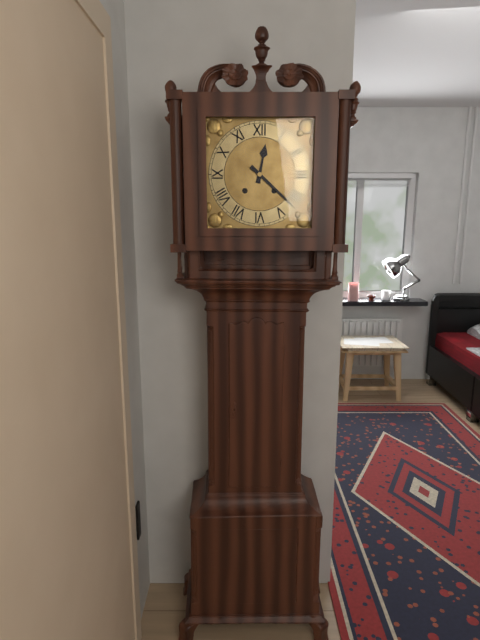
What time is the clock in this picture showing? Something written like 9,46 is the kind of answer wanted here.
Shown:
12,22
